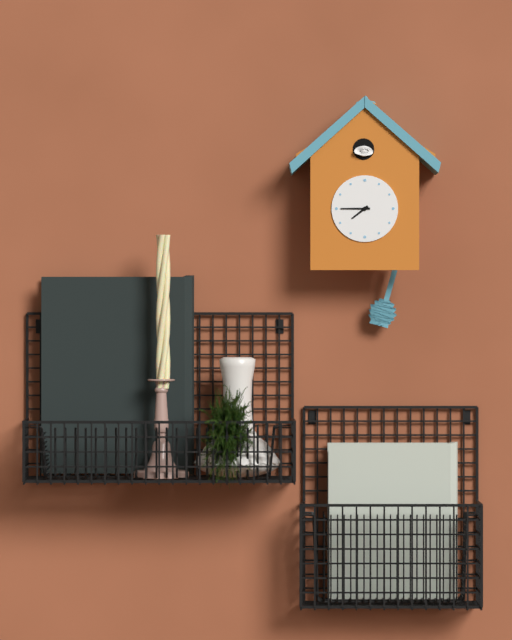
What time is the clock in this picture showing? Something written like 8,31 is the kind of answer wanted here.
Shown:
7,45
